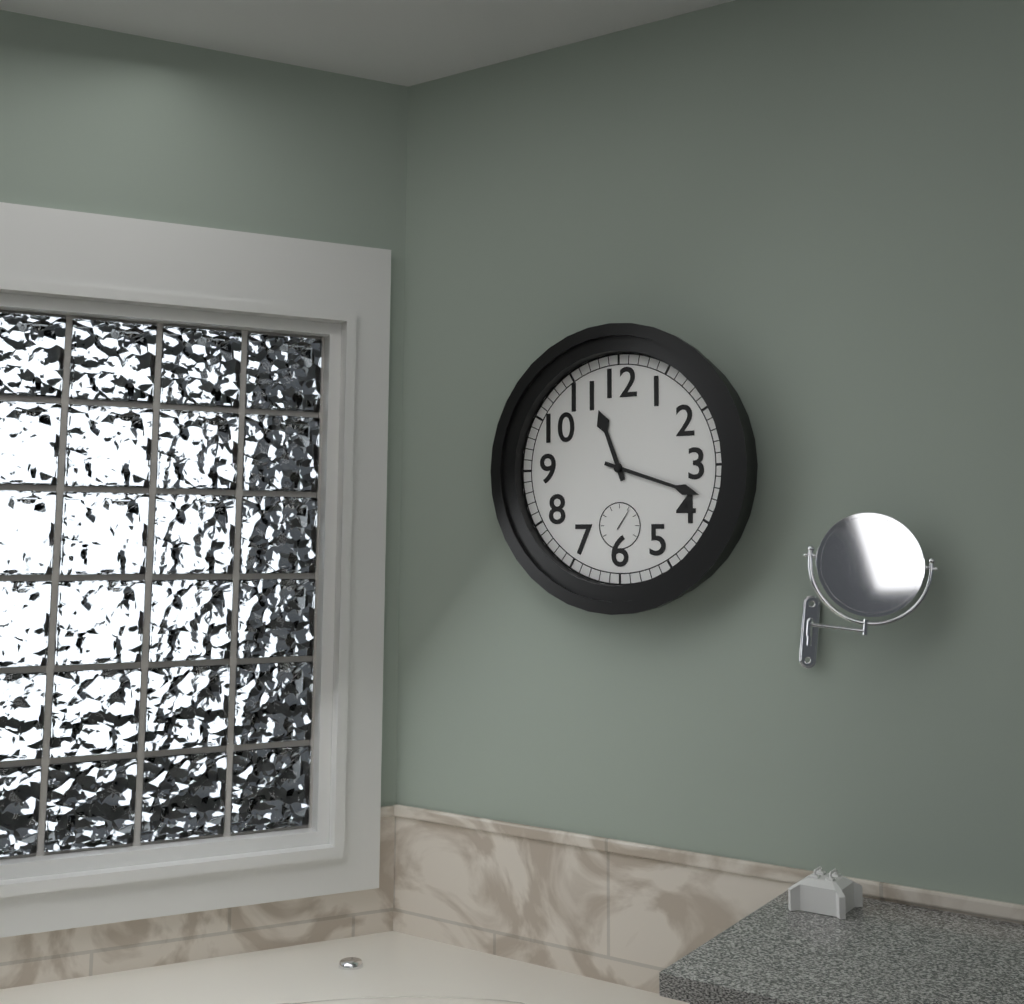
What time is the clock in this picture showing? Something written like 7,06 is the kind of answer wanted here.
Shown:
11,18
